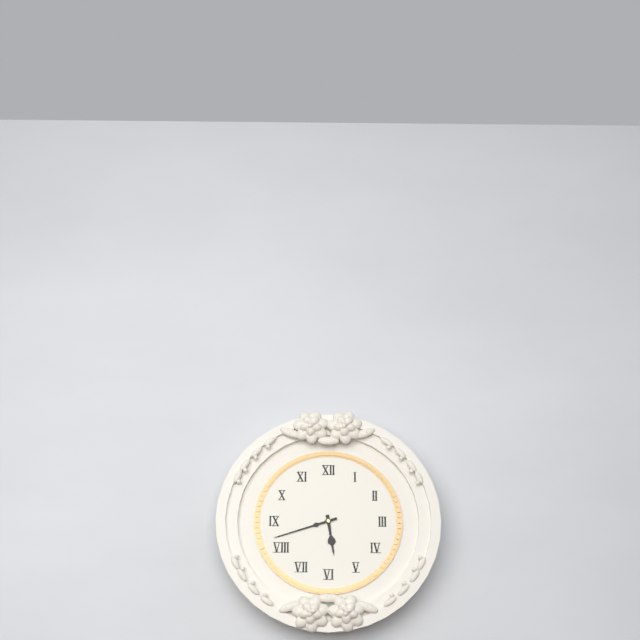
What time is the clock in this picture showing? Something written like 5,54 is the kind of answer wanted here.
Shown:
5,42
